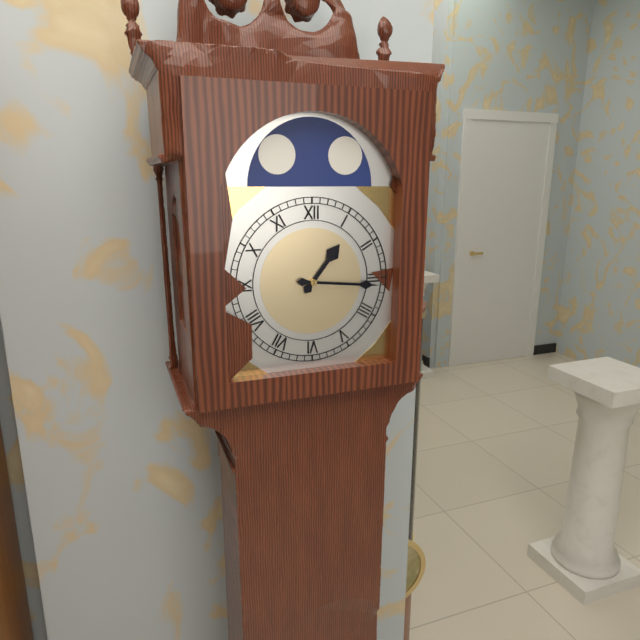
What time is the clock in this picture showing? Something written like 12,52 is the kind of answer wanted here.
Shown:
1,16
